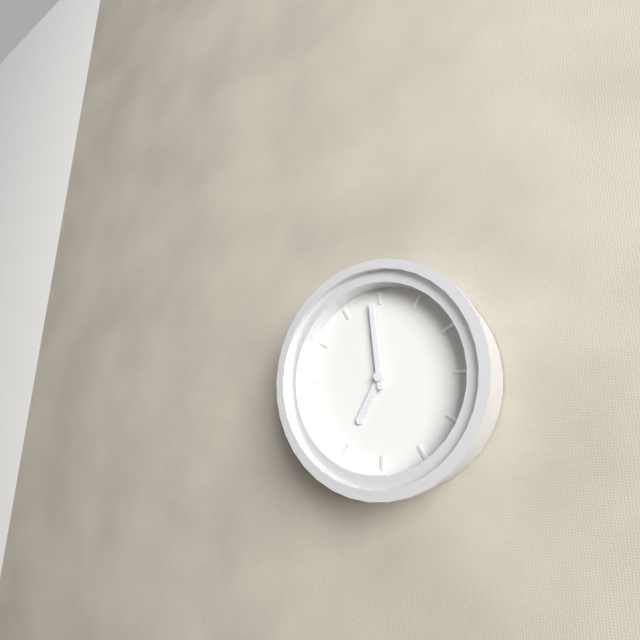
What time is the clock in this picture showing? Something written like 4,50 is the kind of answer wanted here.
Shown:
6,59
